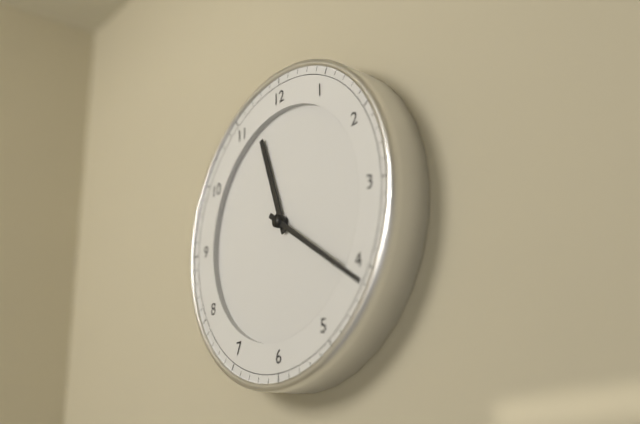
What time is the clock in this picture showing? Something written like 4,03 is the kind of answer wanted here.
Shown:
11,21
